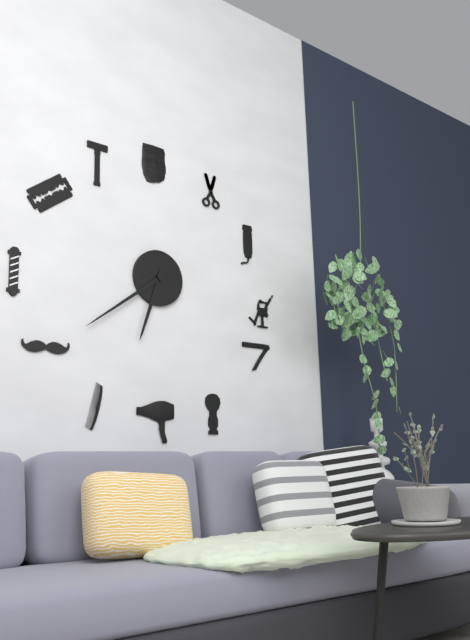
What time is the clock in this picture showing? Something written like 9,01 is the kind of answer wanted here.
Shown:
6,39
